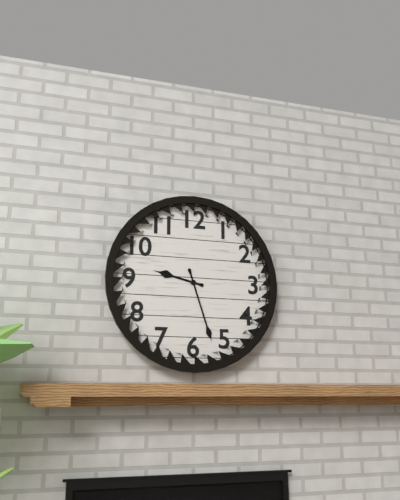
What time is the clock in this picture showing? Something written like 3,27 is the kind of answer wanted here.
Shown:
9,27
